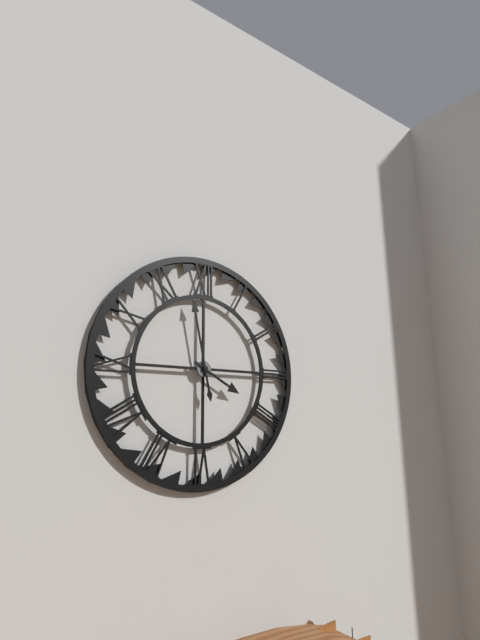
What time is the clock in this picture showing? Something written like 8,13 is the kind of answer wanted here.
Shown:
3,58
